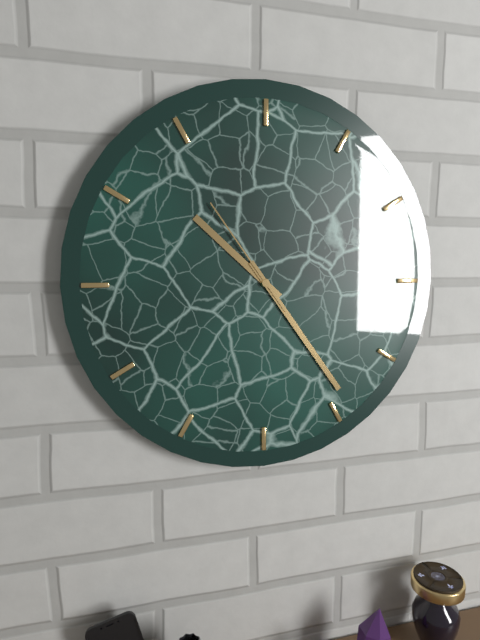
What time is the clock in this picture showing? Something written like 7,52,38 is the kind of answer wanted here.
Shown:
10,24,54
